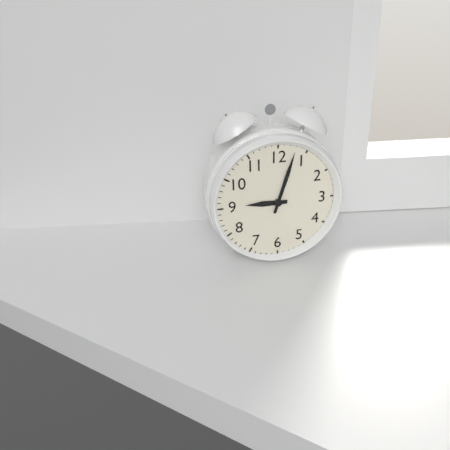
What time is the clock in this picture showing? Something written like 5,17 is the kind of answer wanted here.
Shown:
9,03
